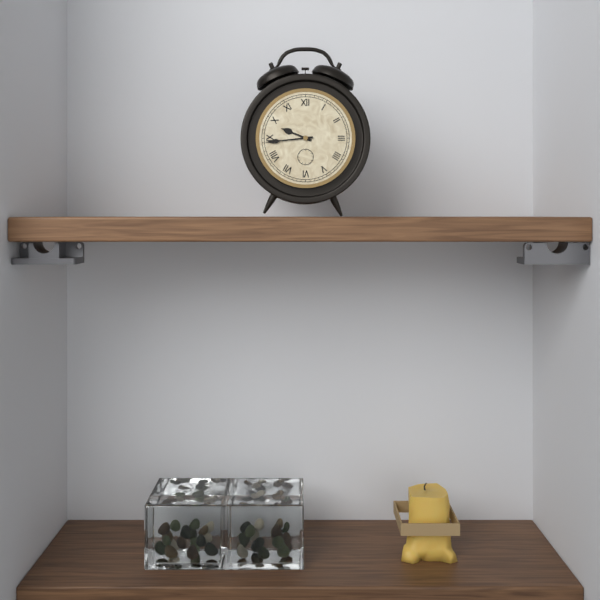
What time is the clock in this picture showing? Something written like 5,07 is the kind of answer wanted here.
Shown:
9,44
